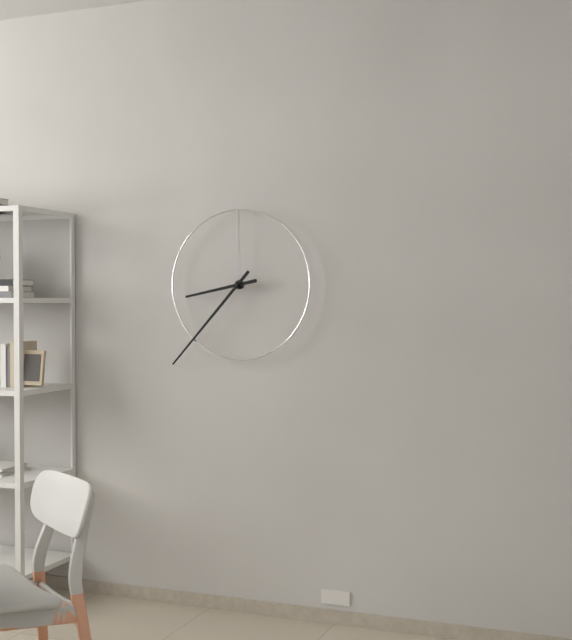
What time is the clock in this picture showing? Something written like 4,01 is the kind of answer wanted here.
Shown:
8,37
